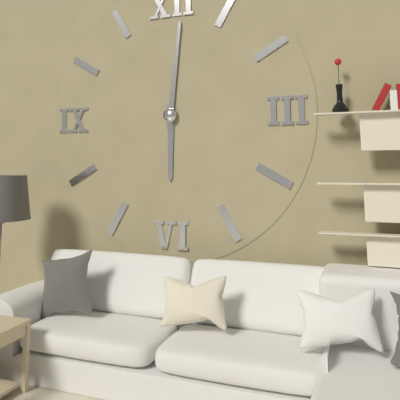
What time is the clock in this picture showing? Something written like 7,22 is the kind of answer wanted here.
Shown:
6,01
